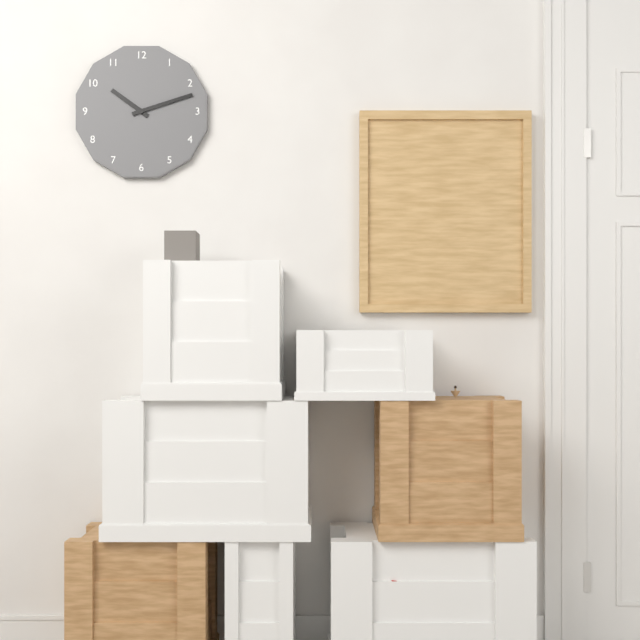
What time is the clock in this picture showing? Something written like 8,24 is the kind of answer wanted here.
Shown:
10,12
